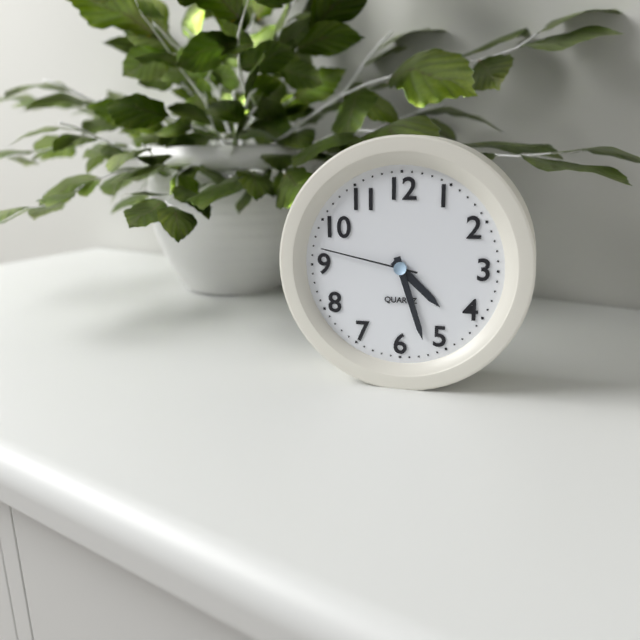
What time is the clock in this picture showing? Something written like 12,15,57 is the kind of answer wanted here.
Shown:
4,27,47
